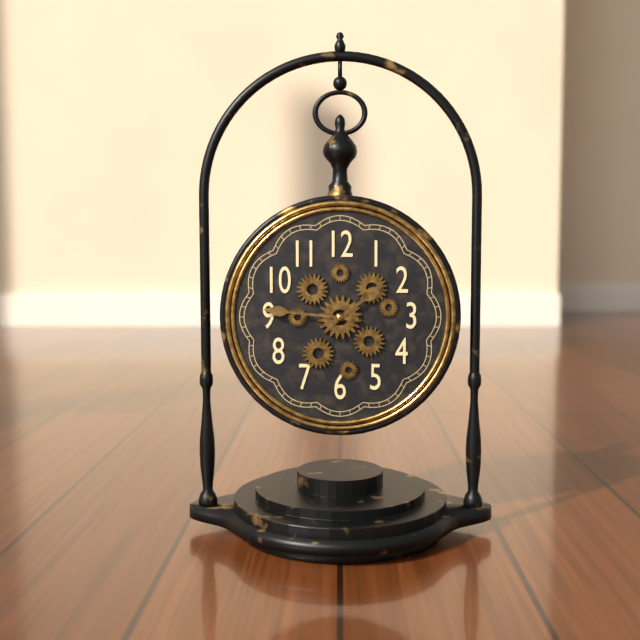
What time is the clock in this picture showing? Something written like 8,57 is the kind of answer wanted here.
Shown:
1,46
